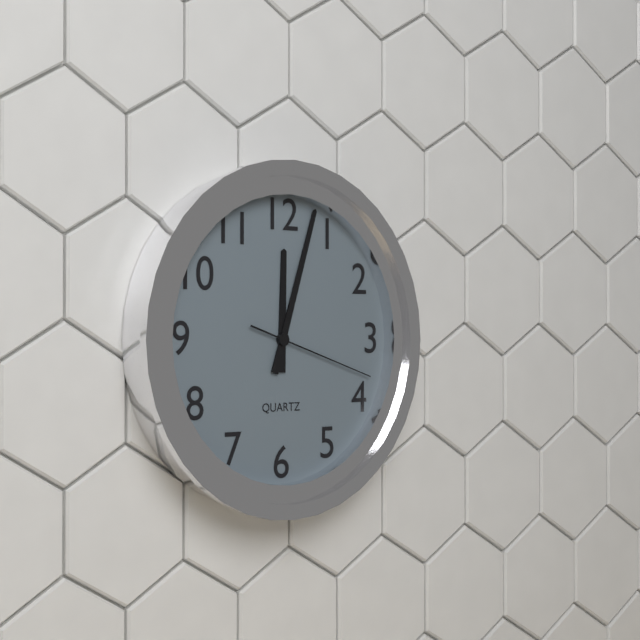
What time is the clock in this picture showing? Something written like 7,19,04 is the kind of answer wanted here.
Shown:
12,03,18
